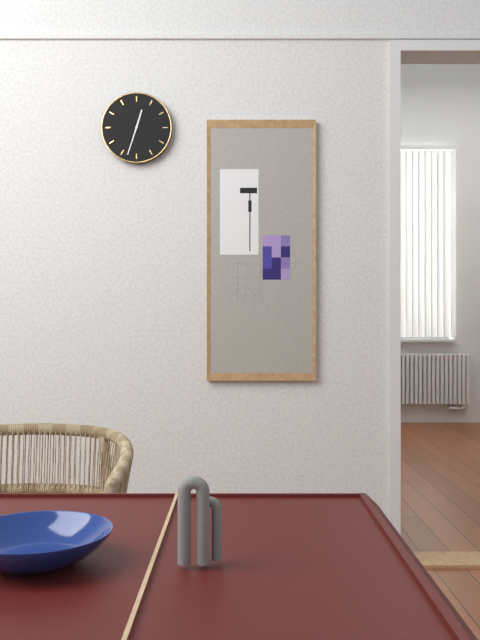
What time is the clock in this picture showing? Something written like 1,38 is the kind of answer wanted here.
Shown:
12,33
